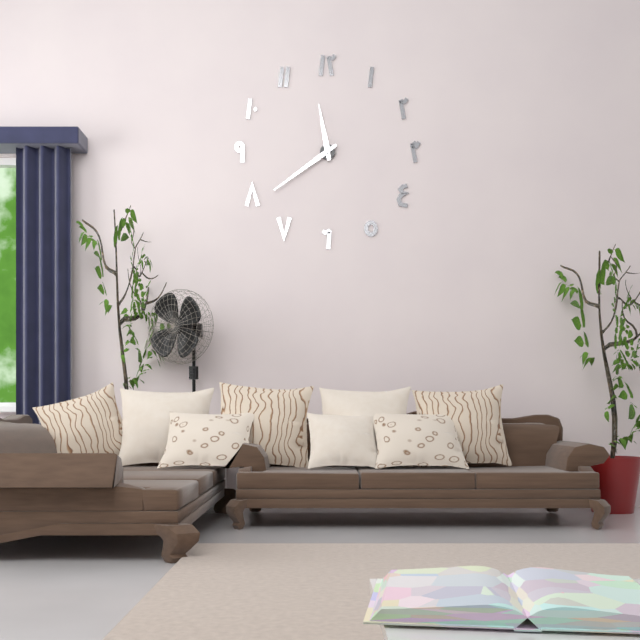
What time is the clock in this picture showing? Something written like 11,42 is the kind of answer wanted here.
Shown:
11,39
